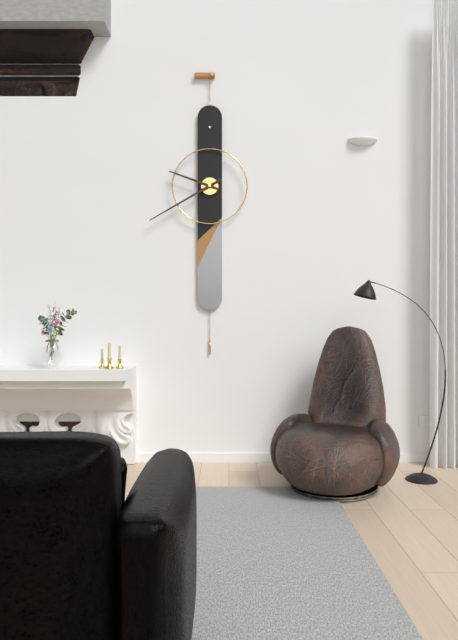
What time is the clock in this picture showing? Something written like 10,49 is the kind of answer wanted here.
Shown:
9,40
